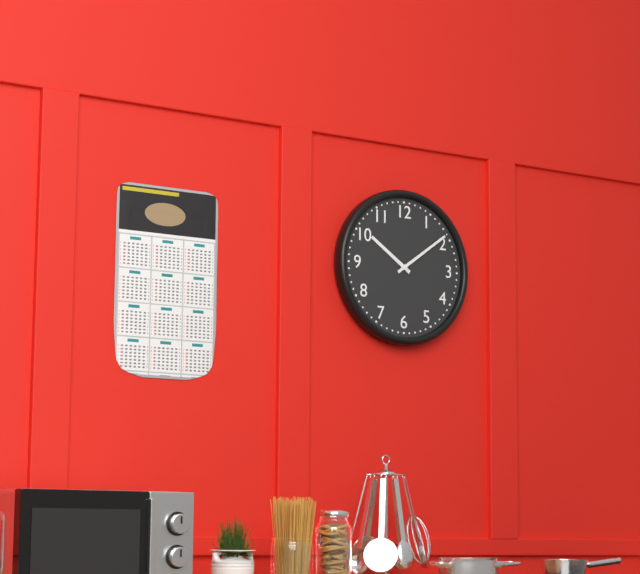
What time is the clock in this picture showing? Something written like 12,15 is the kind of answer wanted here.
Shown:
10,09
